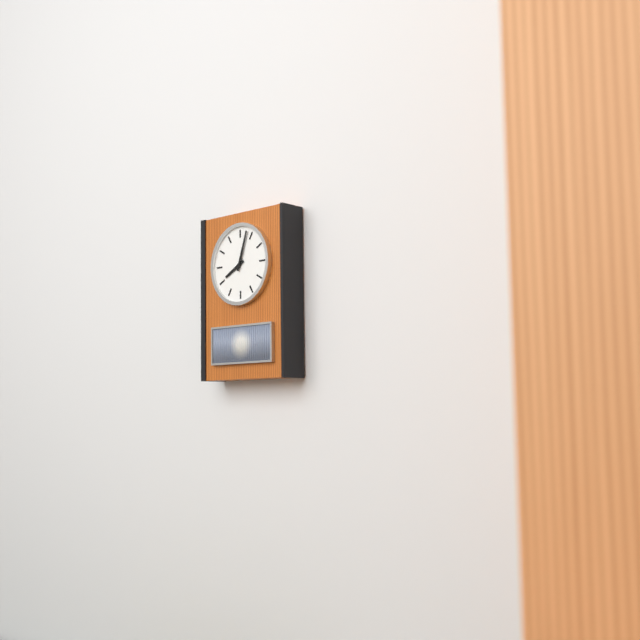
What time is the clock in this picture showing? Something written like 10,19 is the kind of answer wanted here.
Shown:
8,03
